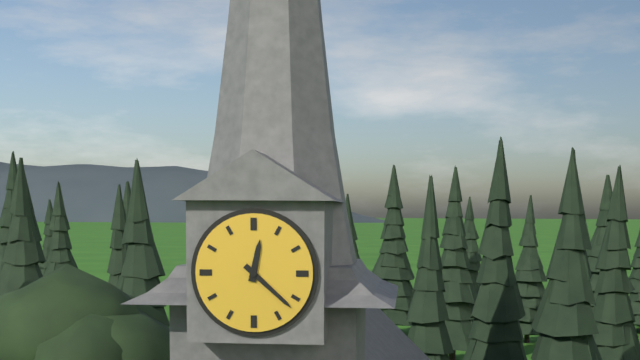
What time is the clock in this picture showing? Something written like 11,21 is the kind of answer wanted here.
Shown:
12,22
